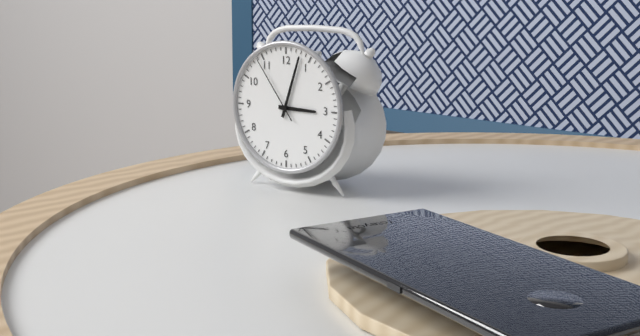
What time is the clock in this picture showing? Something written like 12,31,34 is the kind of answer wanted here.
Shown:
3,03,54
